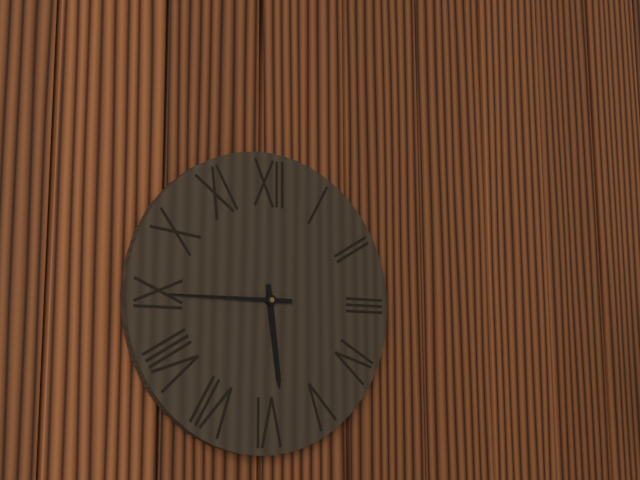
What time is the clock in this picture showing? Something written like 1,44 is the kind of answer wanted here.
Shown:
5,45
